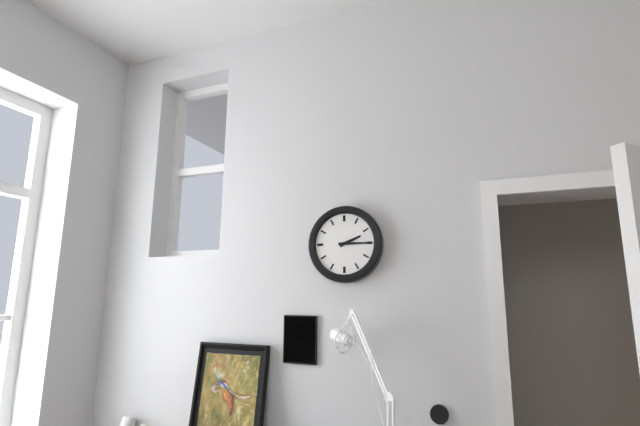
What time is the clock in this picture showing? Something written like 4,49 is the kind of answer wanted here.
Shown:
2,15
